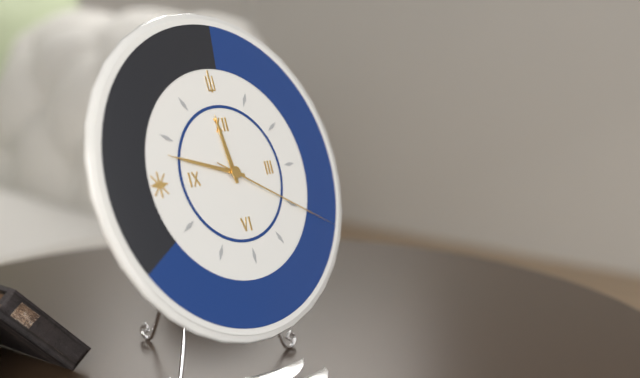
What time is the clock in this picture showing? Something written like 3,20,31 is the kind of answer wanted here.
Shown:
11,48,20
